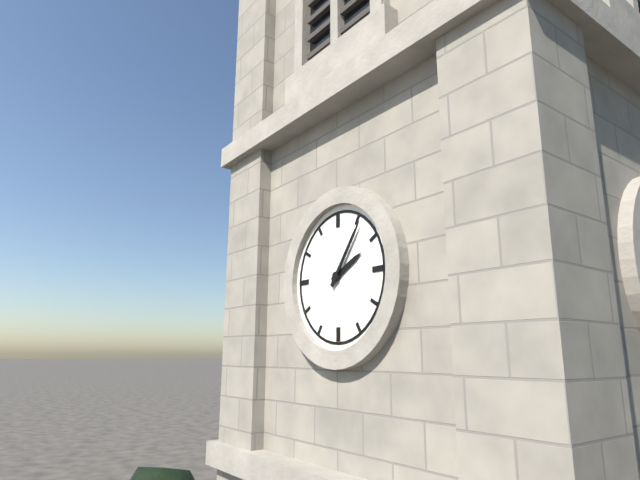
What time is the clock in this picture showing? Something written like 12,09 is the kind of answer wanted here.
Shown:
2,06
